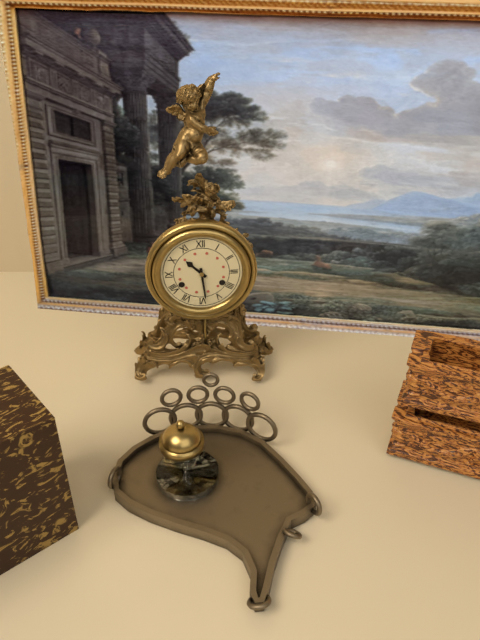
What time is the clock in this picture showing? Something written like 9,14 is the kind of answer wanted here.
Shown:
10,29
